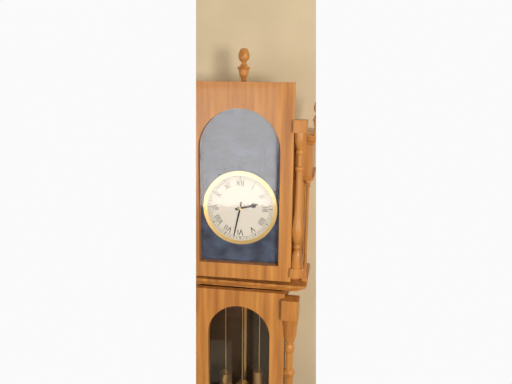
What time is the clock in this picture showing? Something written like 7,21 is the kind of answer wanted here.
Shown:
2,32
